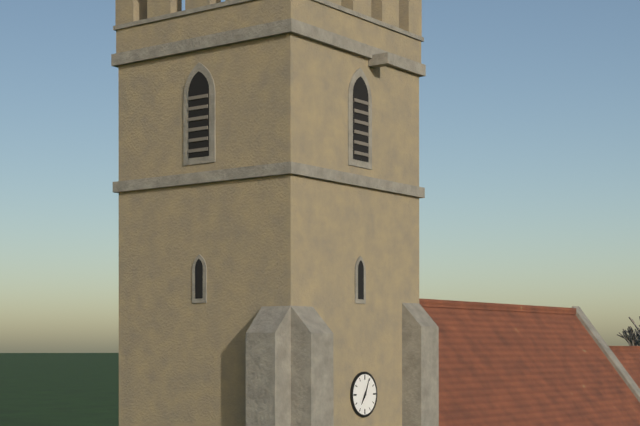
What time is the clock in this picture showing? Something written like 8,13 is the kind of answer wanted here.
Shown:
7,04
